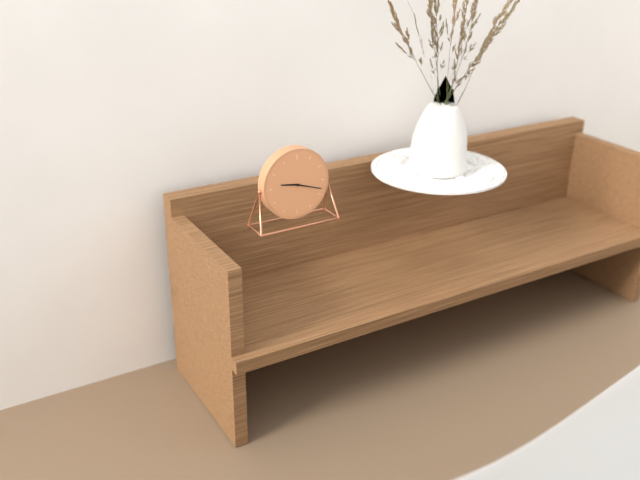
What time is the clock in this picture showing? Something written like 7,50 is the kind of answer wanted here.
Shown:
9,18
